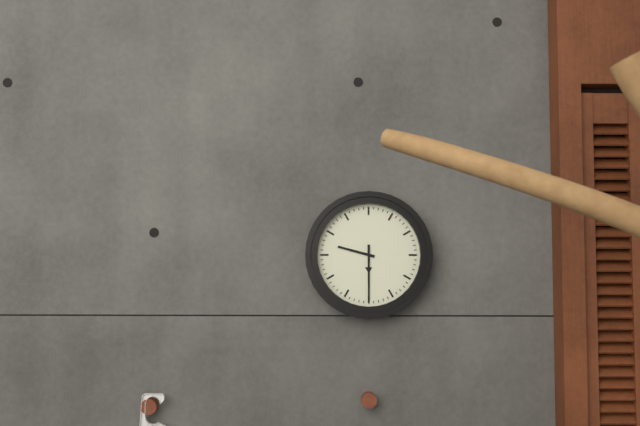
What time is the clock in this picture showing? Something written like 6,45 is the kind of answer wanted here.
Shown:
9,30
